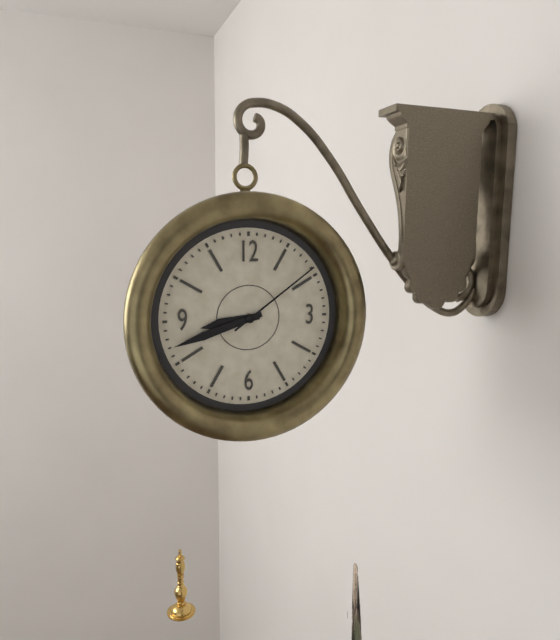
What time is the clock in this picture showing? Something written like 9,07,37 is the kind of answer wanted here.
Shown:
8,42,09
